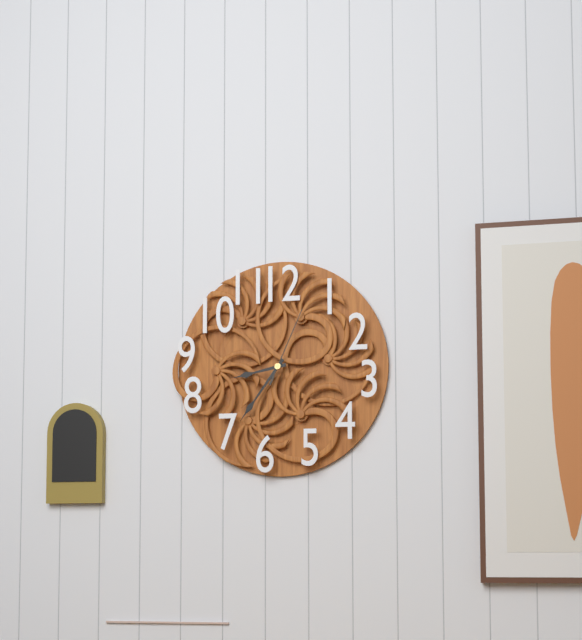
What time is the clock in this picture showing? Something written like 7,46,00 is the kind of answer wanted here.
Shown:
8,36,04
